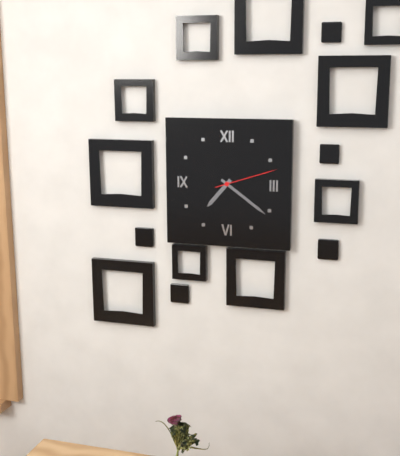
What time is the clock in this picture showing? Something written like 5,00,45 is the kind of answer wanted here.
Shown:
7,21,12
